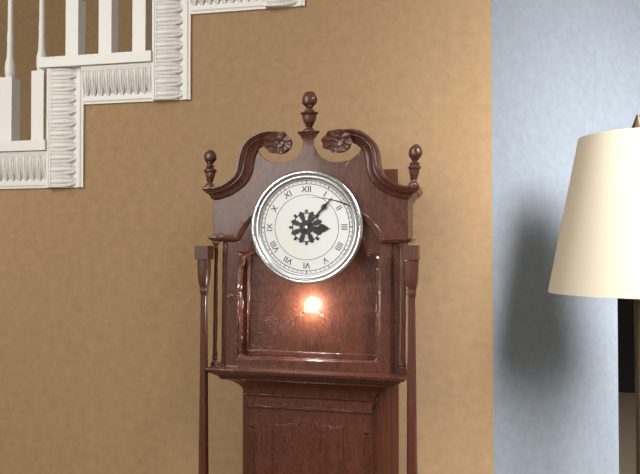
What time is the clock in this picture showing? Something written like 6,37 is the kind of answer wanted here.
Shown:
3,07
